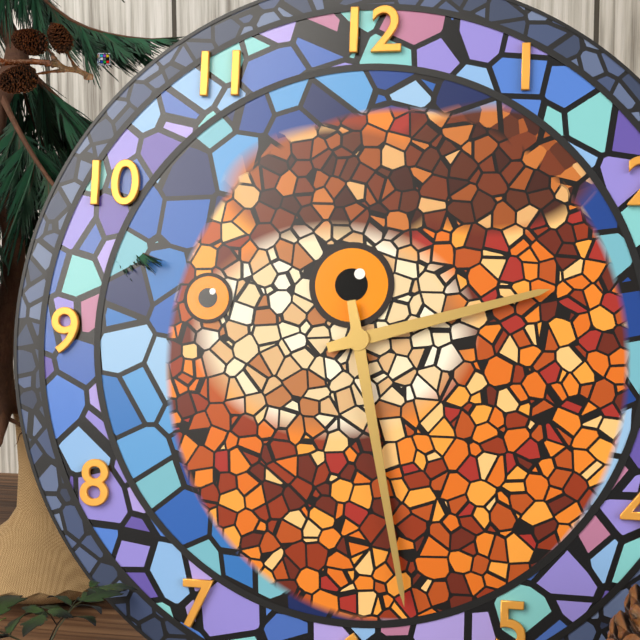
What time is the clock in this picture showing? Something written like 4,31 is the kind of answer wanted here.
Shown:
2,28
